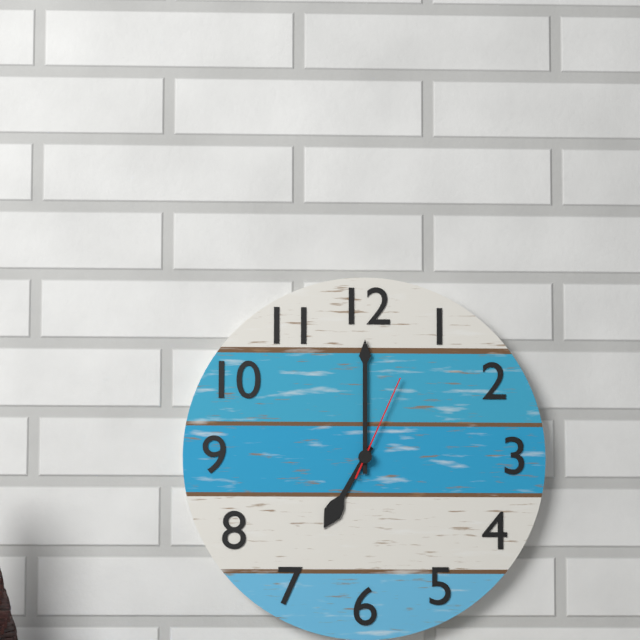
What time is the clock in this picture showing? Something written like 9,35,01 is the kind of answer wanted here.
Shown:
7,00,04
